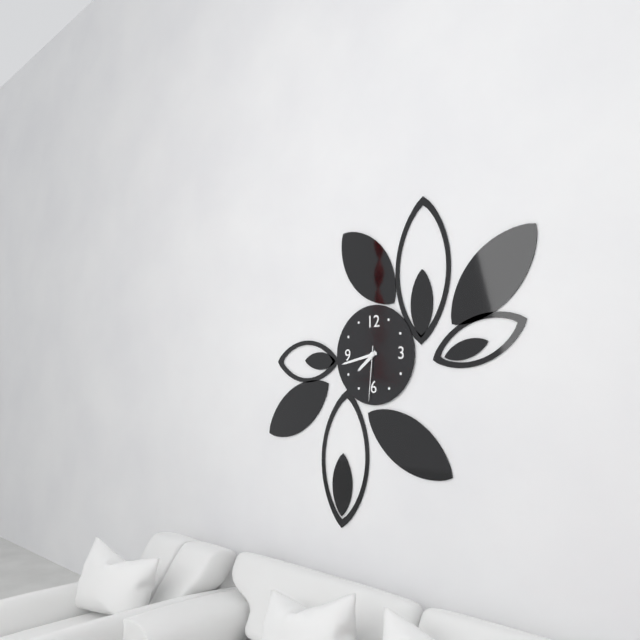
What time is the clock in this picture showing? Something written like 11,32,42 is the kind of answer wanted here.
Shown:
7,43,31
